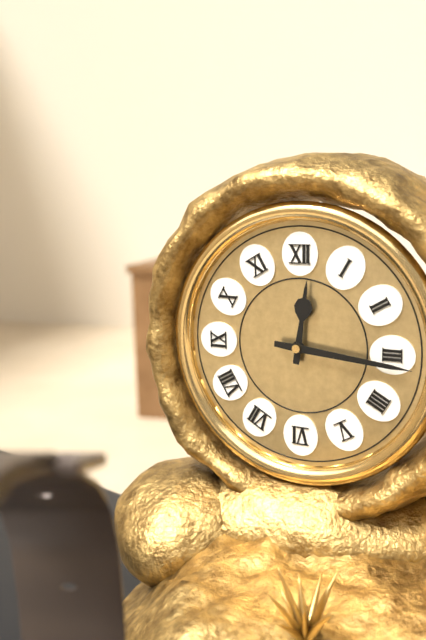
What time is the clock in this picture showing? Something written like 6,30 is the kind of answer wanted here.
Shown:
12,16
